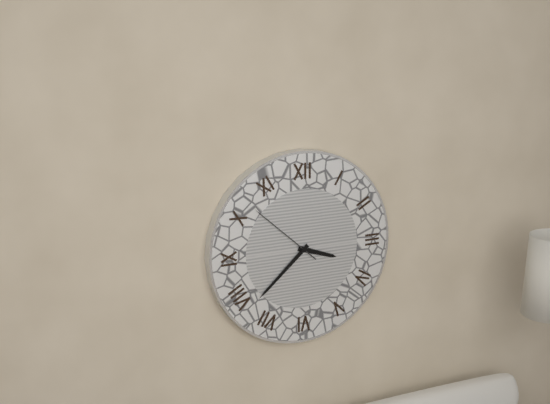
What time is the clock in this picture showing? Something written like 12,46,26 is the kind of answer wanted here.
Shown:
3,38,52
